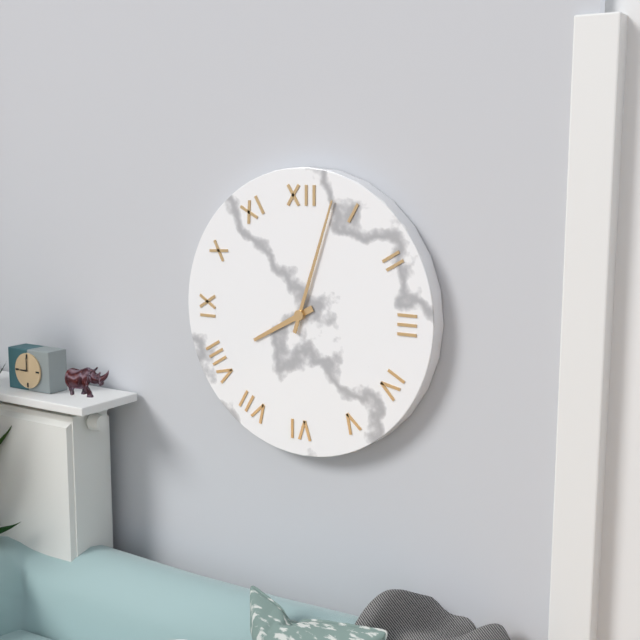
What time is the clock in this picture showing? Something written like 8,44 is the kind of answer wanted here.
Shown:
8,03
